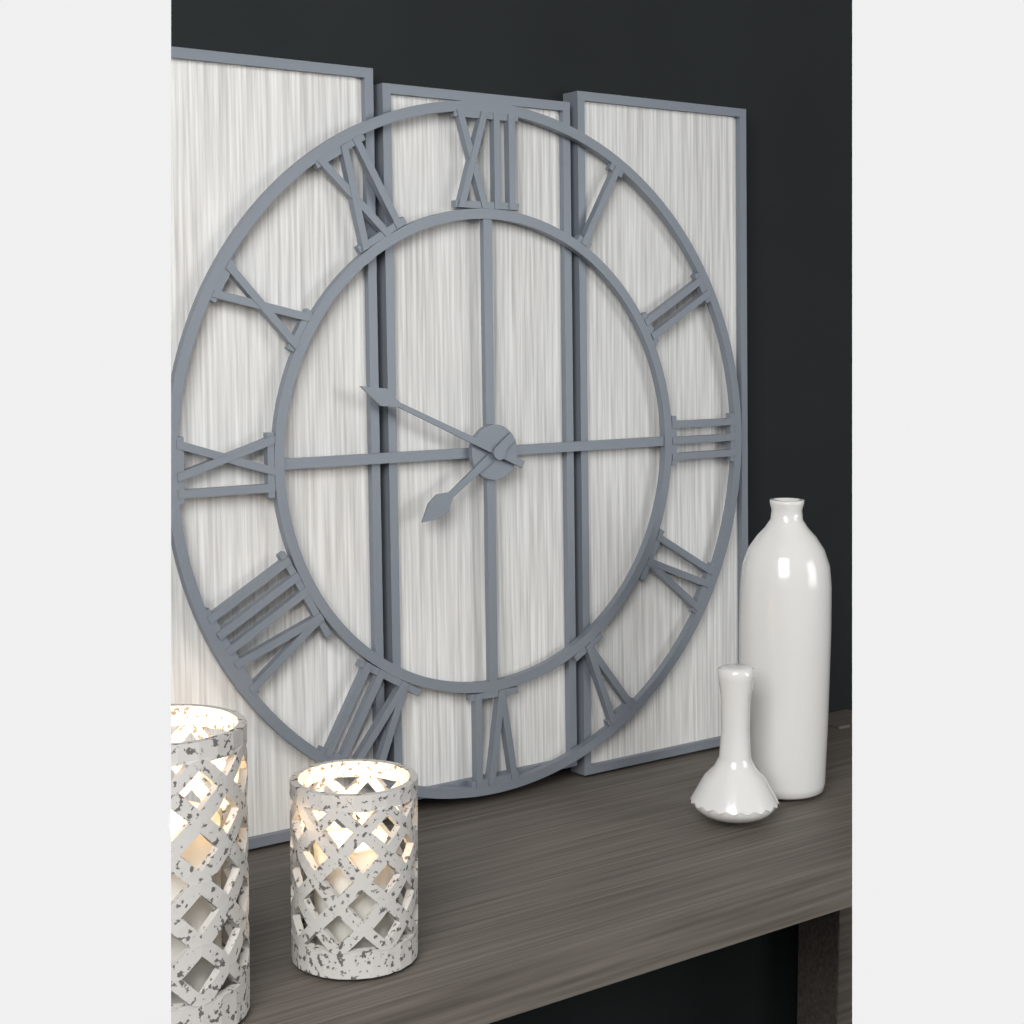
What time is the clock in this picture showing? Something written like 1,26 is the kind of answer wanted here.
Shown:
7,49
